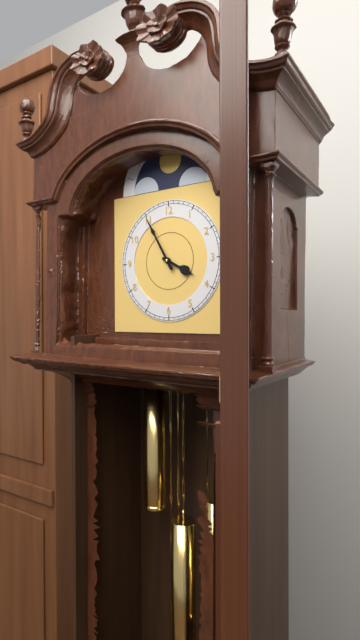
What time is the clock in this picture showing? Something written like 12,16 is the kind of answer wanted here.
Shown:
3,55
